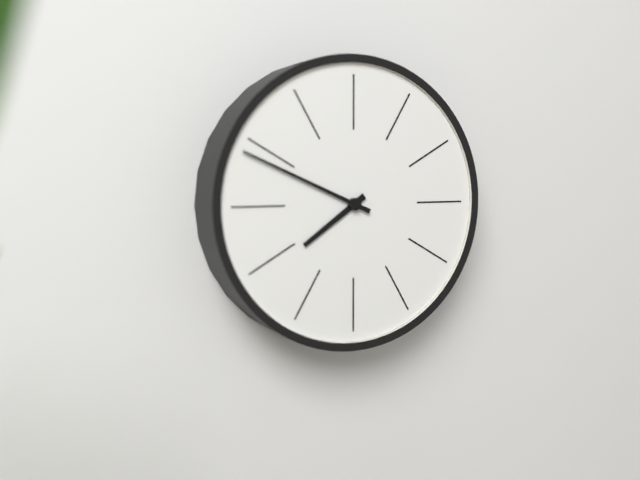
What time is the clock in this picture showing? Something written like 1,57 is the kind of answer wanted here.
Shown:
7,49
